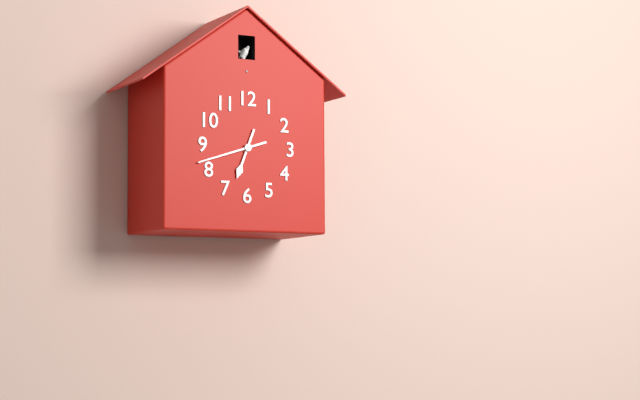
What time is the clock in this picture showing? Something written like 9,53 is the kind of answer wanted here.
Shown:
6,42
